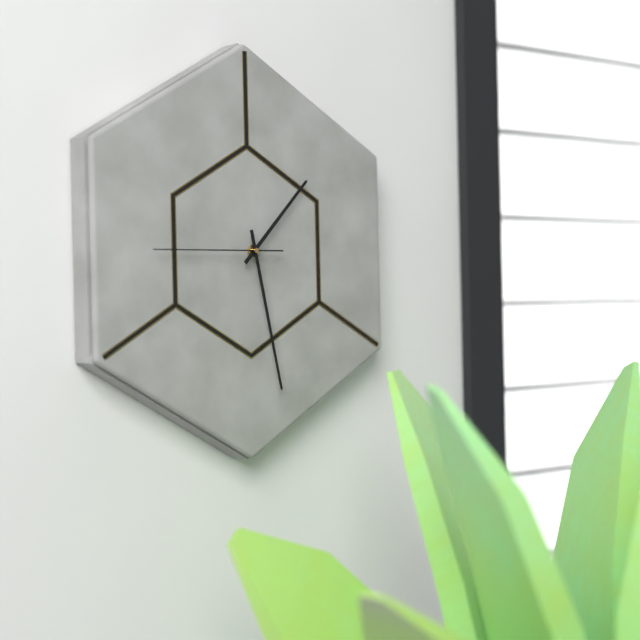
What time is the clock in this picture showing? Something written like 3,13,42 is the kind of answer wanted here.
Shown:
1,28,45
